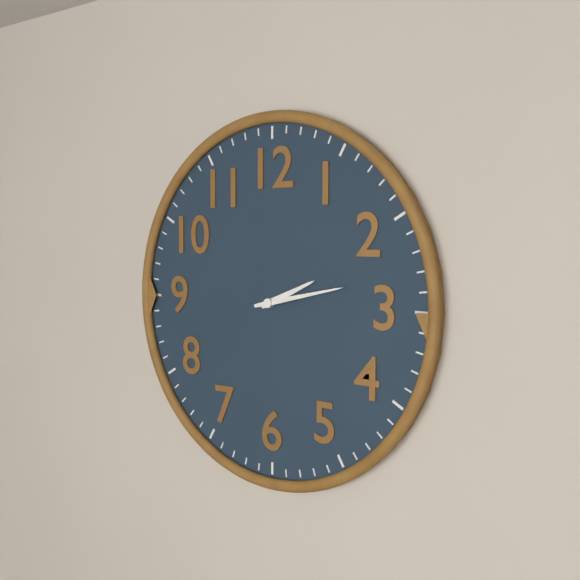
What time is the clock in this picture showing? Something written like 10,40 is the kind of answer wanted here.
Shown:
2,13
